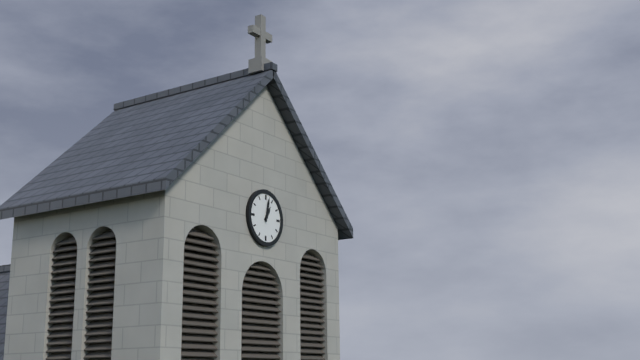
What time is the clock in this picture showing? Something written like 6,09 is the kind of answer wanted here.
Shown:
1,02
